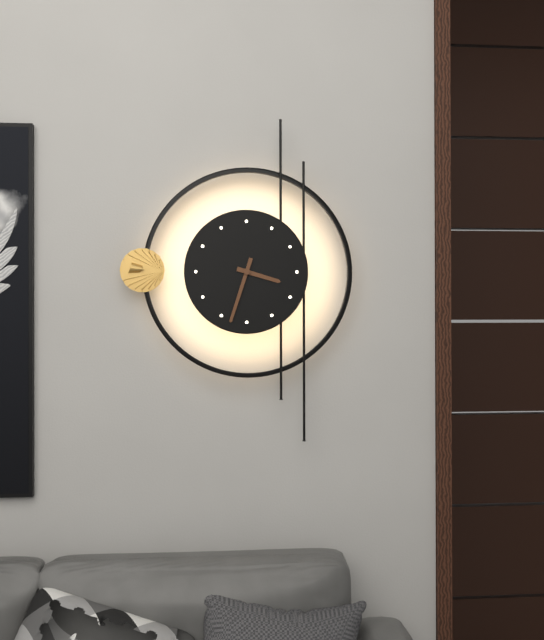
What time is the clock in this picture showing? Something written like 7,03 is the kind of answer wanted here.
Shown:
3,33
